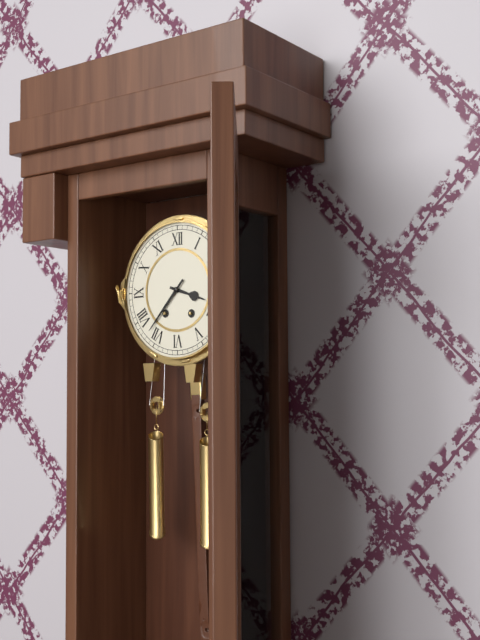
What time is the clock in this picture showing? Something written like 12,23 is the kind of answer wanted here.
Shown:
3,37
